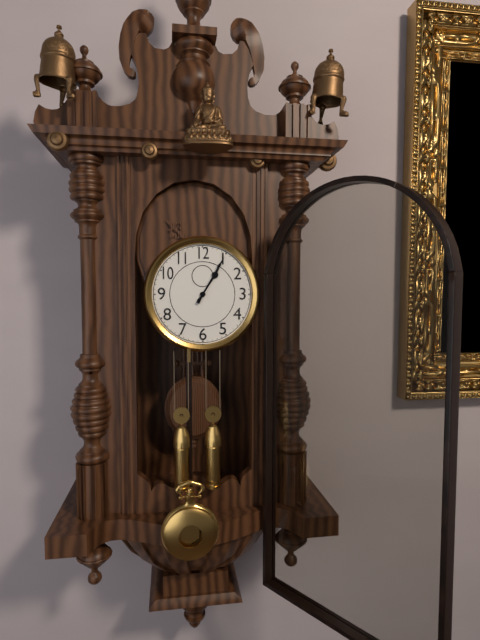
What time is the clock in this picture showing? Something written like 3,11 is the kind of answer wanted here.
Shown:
1,05
